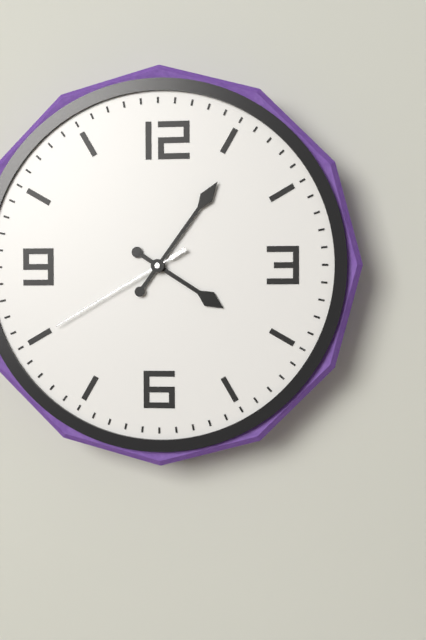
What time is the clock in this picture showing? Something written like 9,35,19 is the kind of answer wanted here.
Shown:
4,06,40
